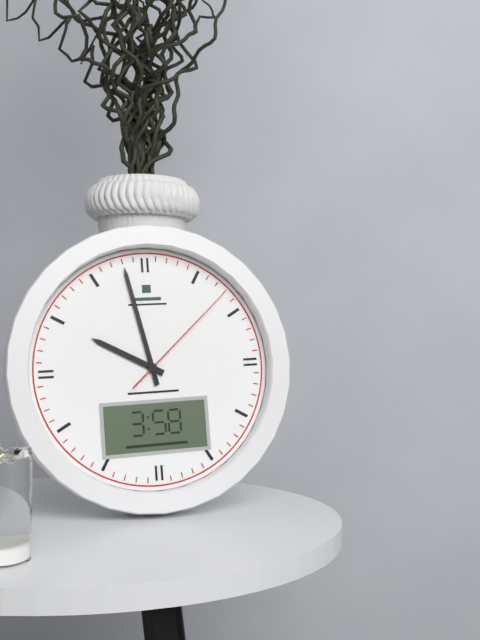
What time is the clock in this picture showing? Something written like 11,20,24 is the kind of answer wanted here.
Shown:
9,58,08
